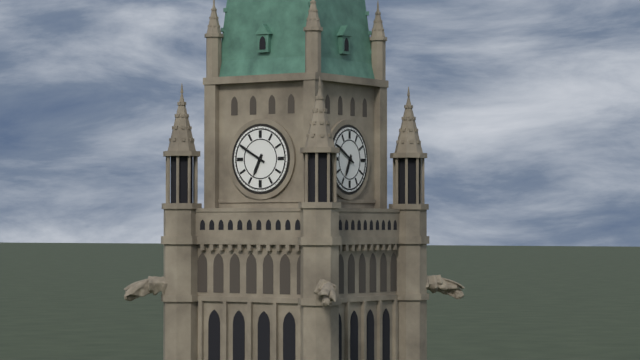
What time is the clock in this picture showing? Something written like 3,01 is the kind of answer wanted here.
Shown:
6,50
